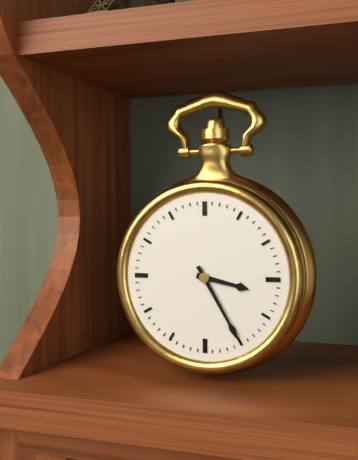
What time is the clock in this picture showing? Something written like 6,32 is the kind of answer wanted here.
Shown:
3,25
